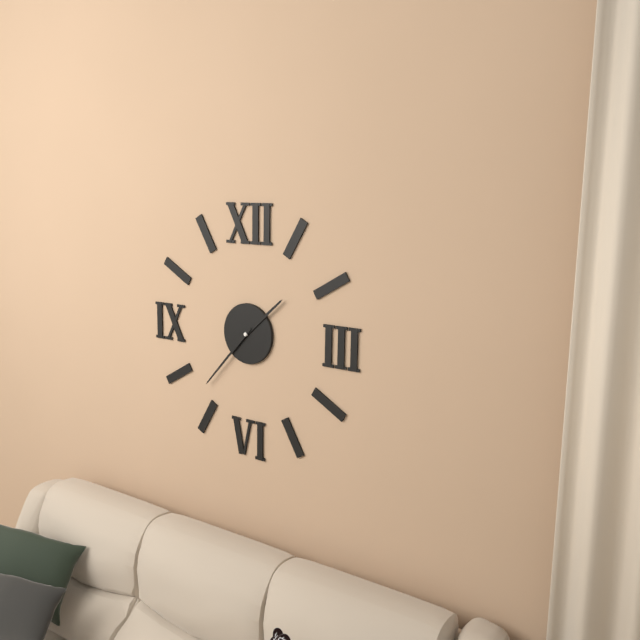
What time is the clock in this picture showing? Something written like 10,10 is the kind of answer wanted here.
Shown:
1,37
